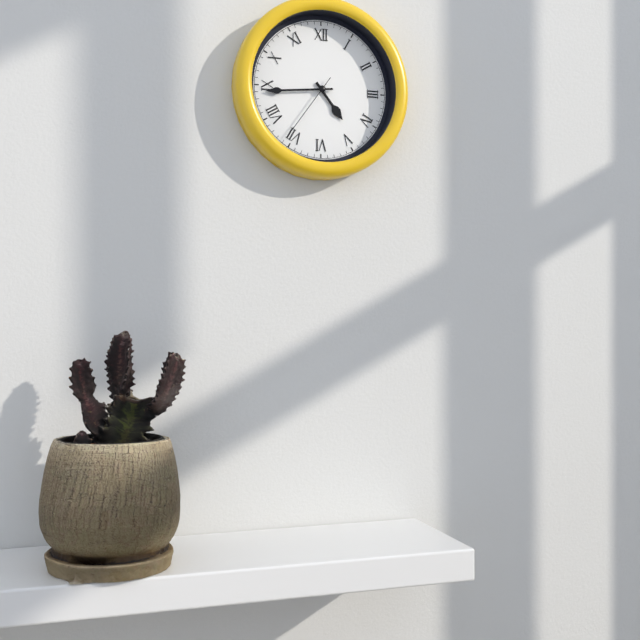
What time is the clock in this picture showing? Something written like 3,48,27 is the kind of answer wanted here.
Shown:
4,44,36
